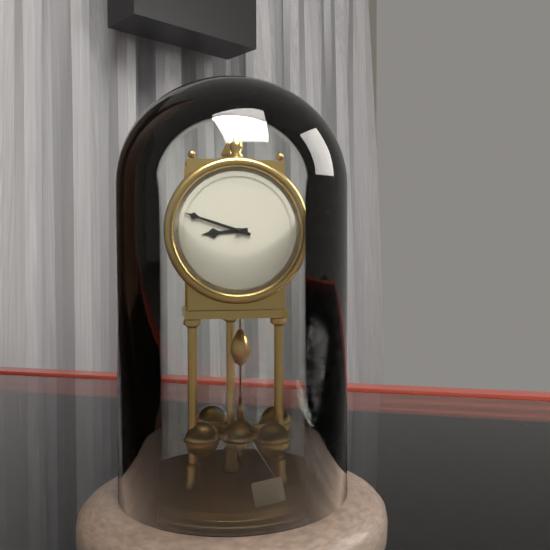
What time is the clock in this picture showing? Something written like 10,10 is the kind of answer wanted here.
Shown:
8,48
